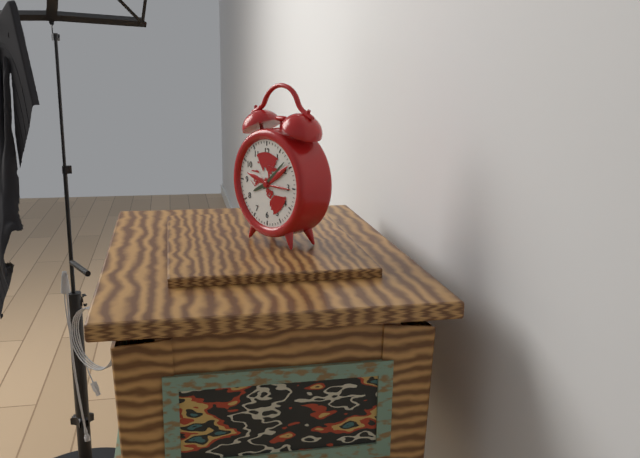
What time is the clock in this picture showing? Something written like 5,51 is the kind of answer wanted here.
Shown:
8,08
